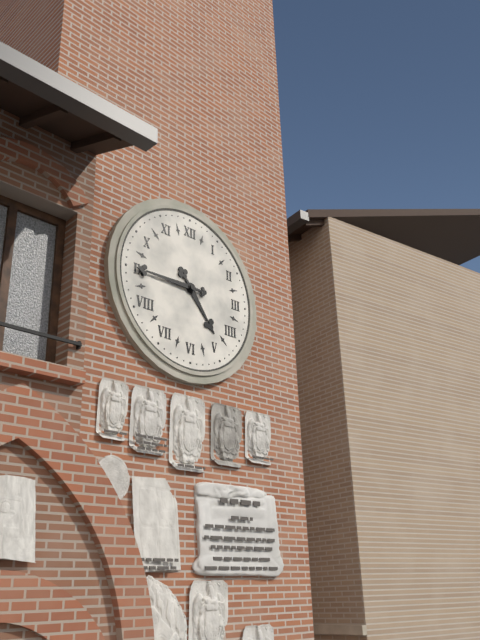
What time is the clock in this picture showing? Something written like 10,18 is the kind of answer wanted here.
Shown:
4,45
